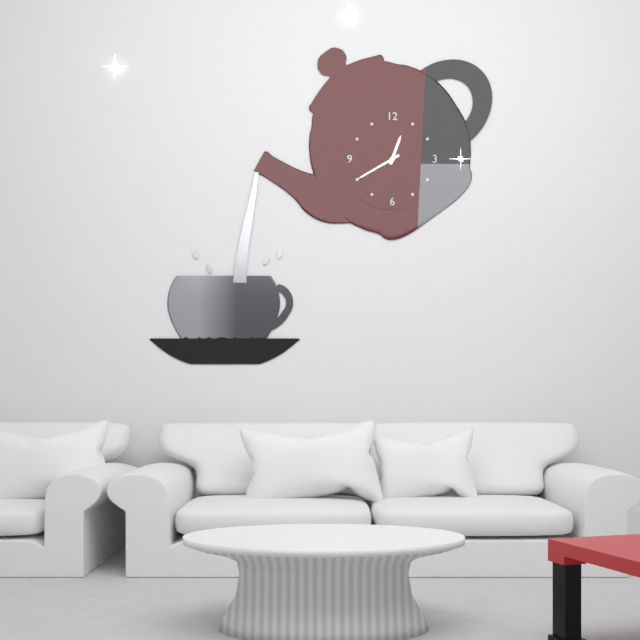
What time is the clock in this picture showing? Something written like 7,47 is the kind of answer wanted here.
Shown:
12,40
